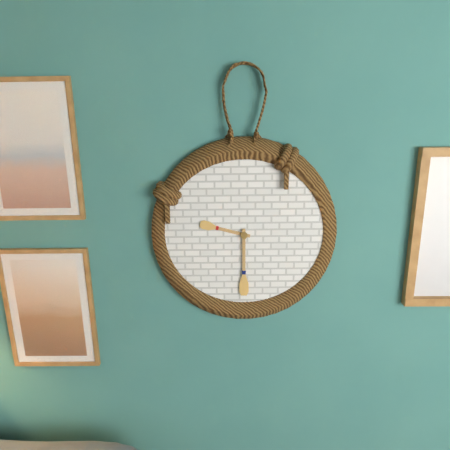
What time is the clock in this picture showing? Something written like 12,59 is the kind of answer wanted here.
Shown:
9,30
